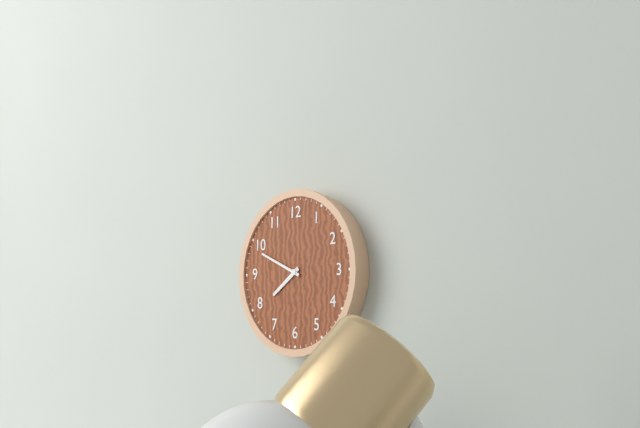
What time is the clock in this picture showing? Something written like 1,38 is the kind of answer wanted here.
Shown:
7,49
